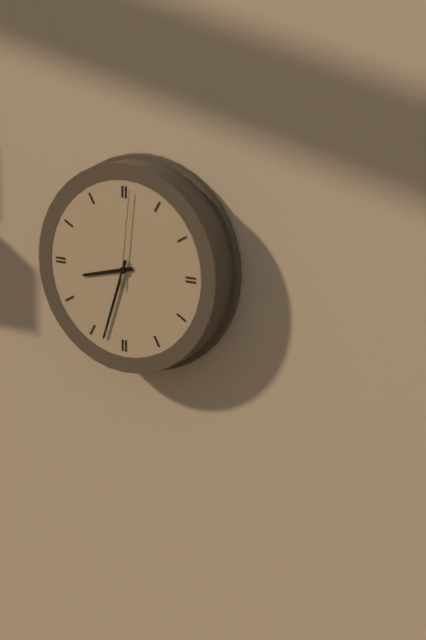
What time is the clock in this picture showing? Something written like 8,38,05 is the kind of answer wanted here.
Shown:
8,33,01
